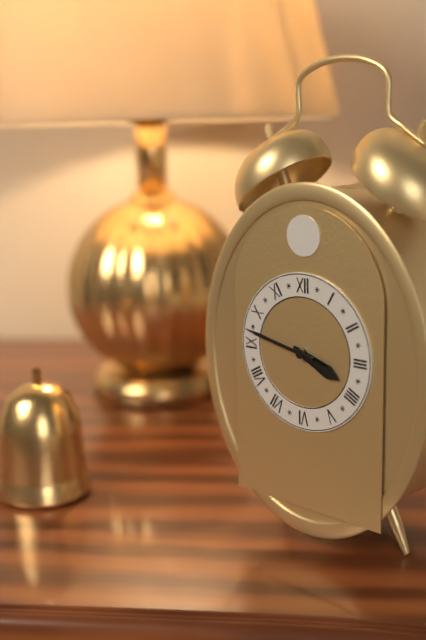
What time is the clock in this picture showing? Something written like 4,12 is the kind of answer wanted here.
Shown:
3,47
